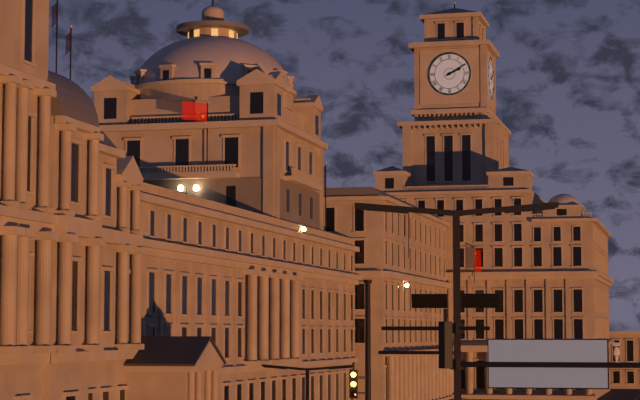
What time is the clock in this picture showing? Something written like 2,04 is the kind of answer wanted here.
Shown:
2,10
